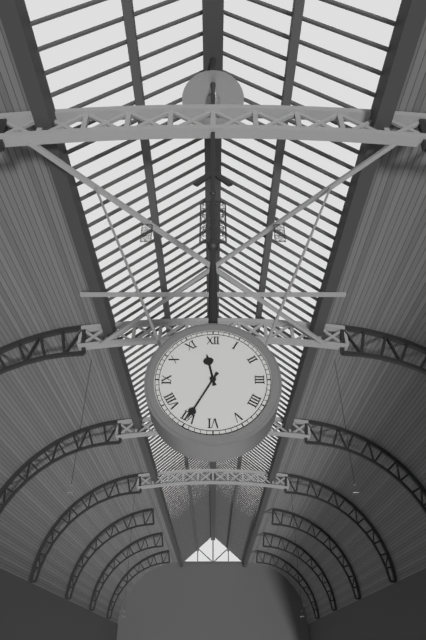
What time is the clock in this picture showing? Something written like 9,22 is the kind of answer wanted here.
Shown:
11,35
